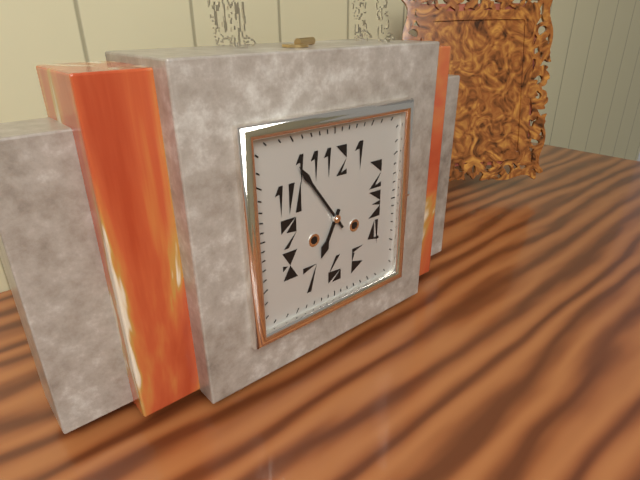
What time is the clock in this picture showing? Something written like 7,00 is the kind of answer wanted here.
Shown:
6,54
